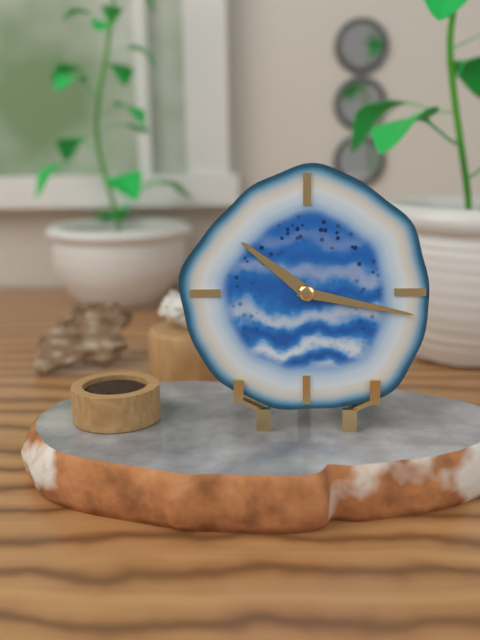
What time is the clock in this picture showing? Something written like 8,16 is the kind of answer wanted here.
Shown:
10,17
